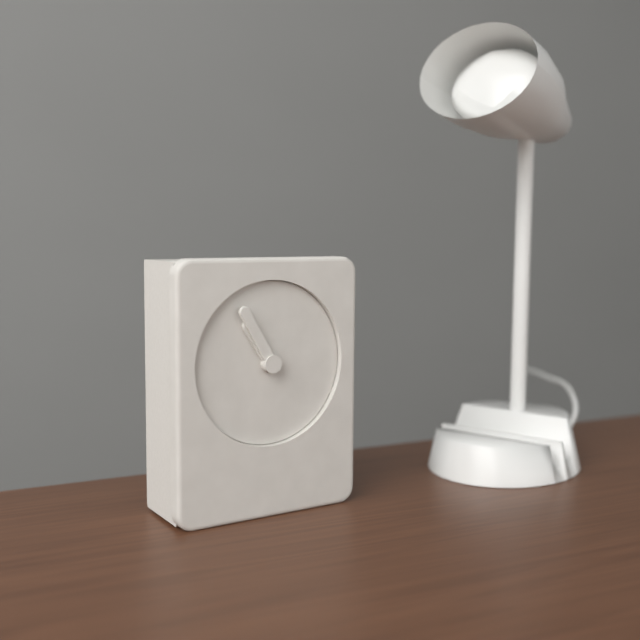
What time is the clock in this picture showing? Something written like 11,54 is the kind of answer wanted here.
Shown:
10,55
